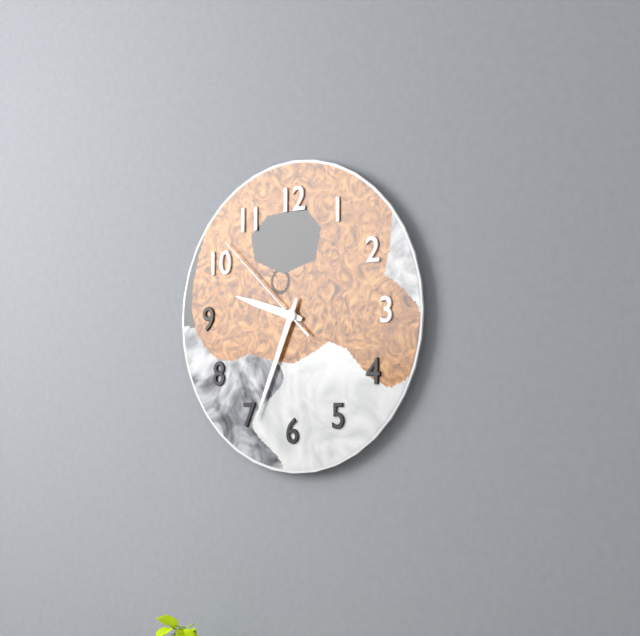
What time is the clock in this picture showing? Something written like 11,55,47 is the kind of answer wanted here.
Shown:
9,34,52
